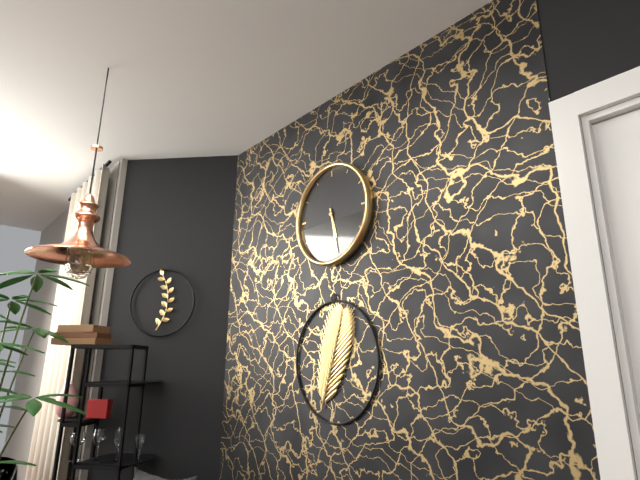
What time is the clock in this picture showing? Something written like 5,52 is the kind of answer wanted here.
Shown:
5,28
